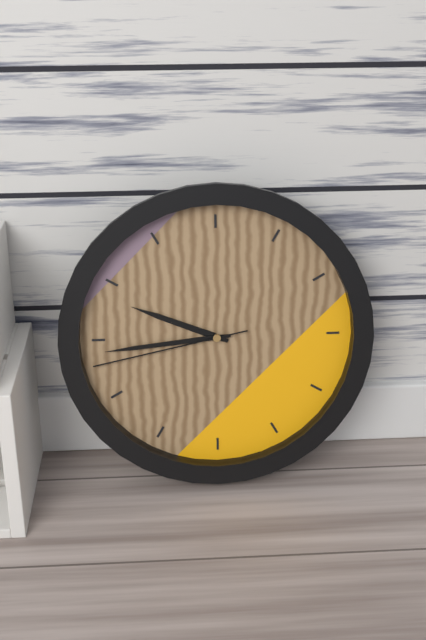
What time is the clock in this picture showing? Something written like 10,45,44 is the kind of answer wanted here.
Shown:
9,44,43
